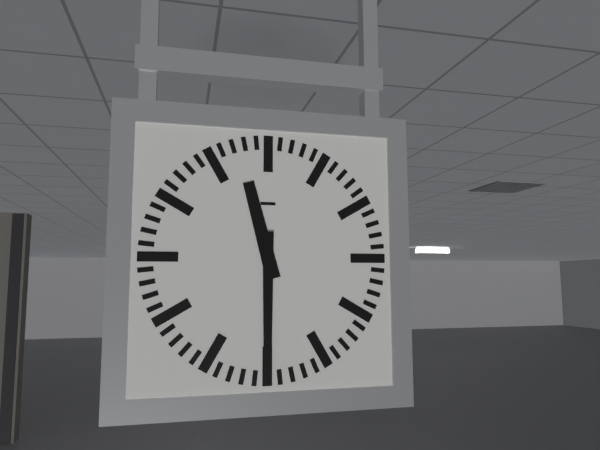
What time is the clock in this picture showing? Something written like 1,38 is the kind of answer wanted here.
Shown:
11,30
